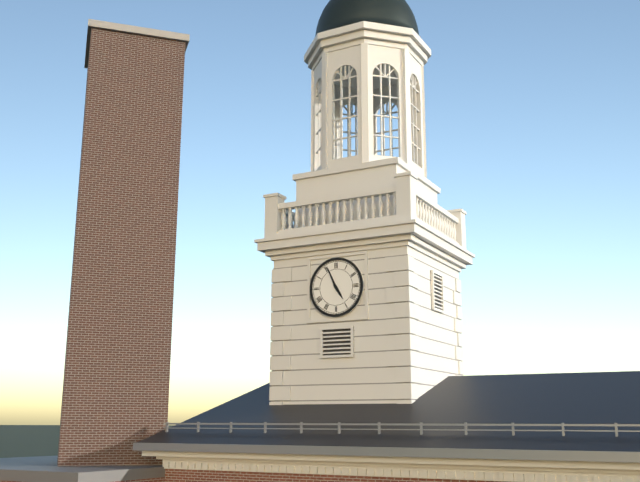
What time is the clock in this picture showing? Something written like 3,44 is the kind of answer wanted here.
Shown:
4,56
